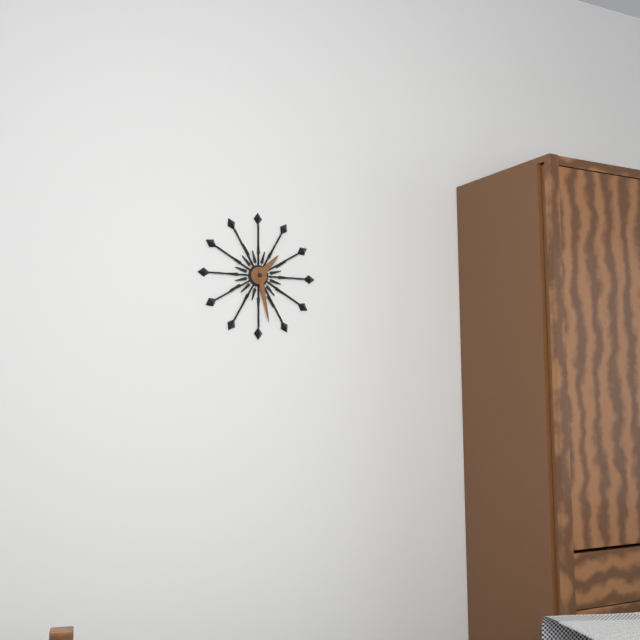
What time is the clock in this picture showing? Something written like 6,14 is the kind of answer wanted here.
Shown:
1,28
